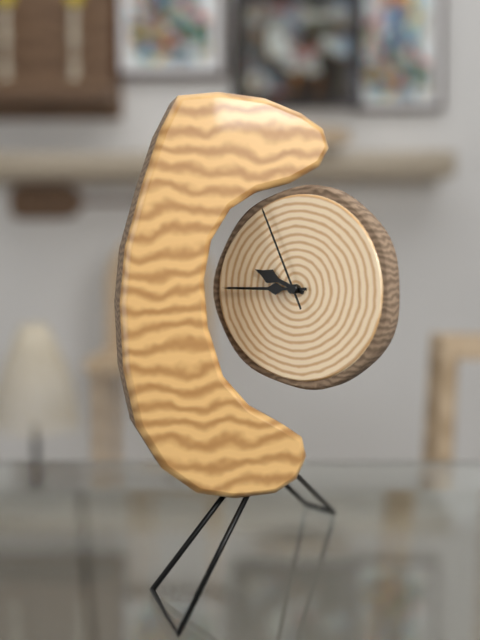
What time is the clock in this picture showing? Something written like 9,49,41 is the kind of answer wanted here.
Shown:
9,45,56
